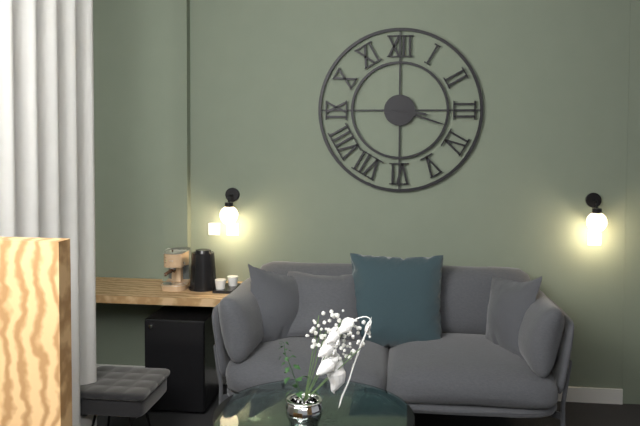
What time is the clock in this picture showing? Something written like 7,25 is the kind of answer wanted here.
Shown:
3,18
